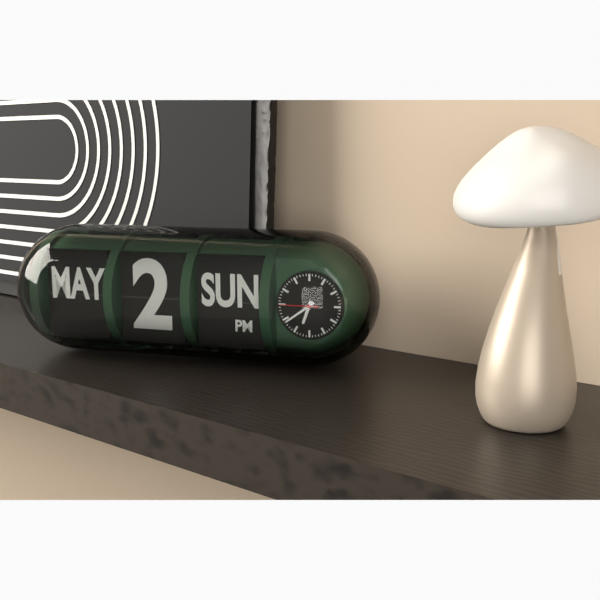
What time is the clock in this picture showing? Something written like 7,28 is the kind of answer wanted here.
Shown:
6,39
